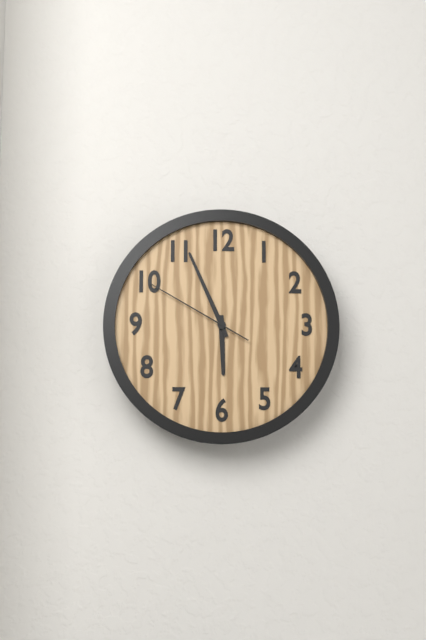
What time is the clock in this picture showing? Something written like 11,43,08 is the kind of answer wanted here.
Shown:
5,56,50
